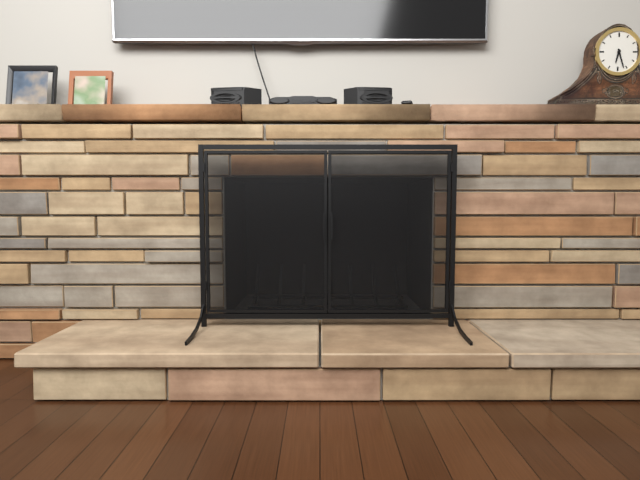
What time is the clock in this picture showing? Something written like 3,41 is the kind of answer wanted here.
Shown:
6,27
